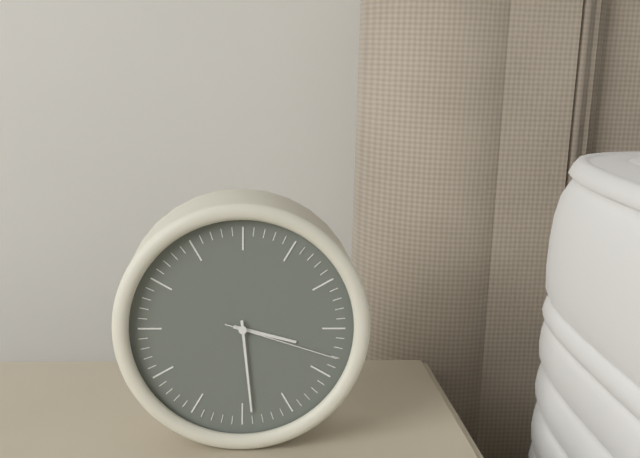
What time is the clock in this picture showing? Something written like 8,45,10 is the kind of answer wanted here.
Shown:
3,29,18
